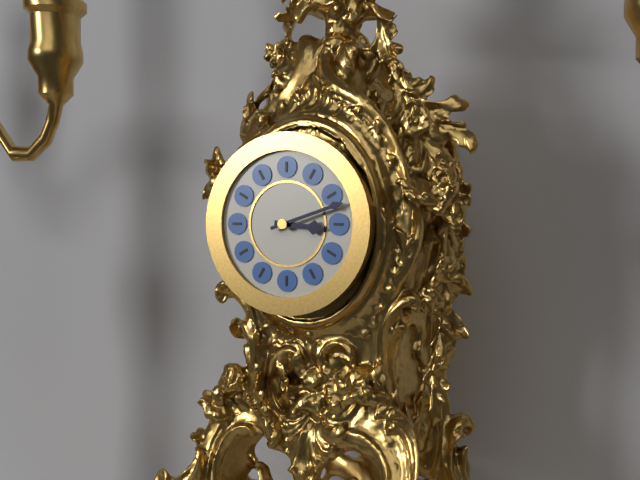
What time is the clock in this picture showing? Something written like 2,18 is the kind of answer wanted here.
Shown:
3,12
